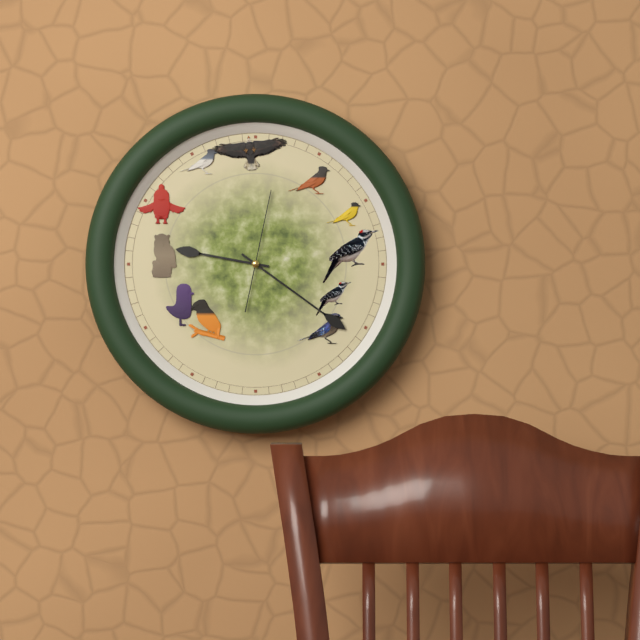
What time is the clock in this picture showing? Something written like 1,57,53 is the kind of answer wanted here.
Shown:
9,21,02
